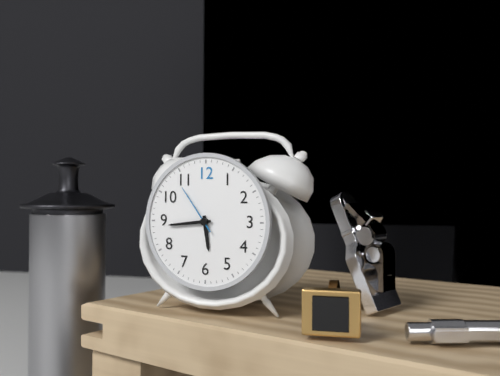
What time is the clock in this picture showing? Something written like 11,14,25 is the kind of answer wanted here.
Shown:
5,44,54
